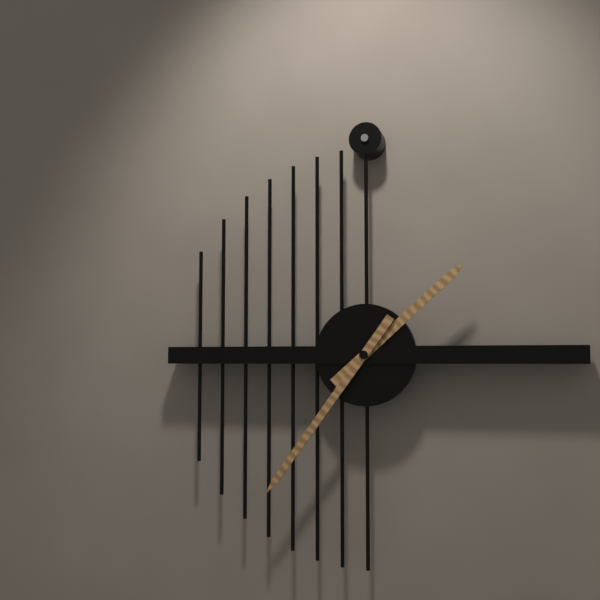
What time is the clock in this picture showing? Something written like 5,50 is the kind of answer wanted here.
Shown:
1,36
